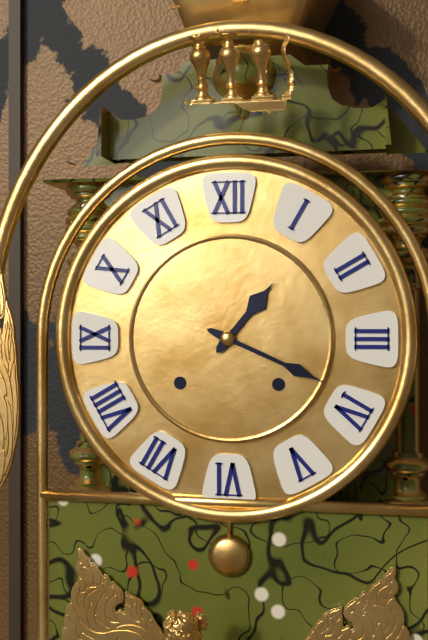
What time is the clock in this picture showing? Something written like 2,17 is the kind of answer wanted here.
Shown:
1,19
